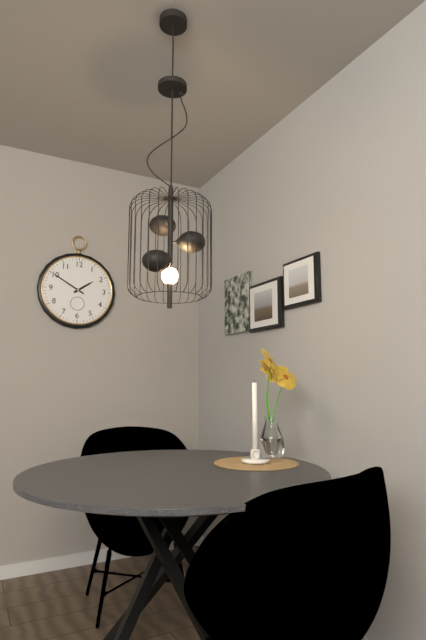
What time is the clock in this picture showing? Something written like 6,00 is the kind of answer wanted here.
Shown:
1,50
